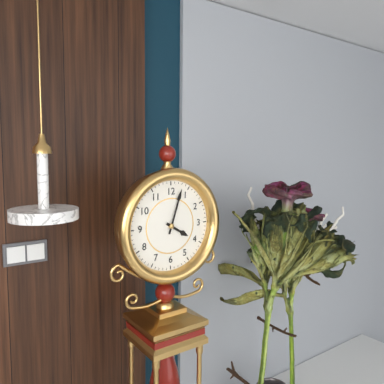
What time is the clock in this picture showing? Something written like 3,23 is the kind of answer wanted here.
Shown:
4,03
